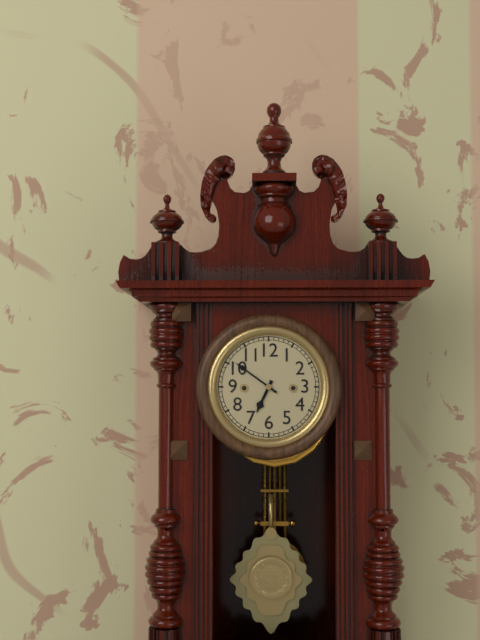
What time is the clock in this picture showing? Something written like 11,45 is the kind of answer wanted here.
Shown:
6,51
